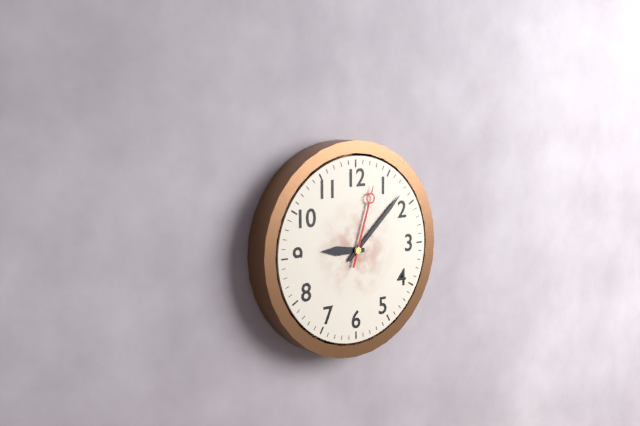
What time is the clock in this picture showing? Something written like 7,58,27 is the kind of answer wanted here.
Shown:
9,08,03
